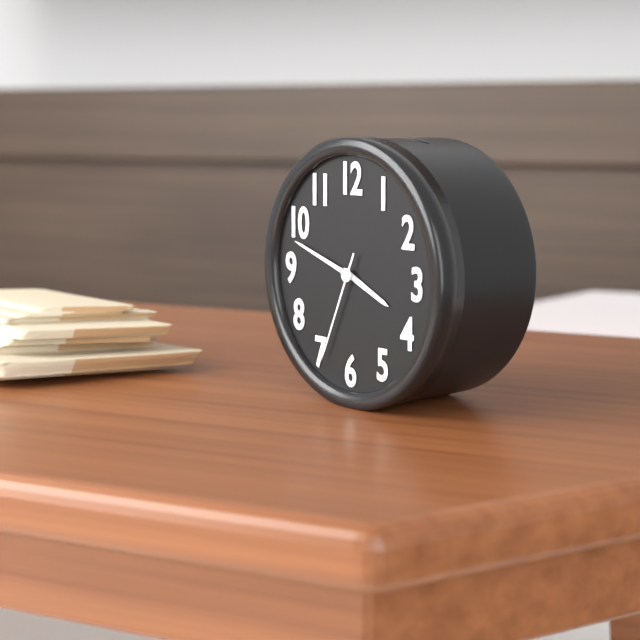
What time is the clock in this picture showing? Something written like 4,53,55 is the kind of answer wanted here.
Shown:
3,48,34
